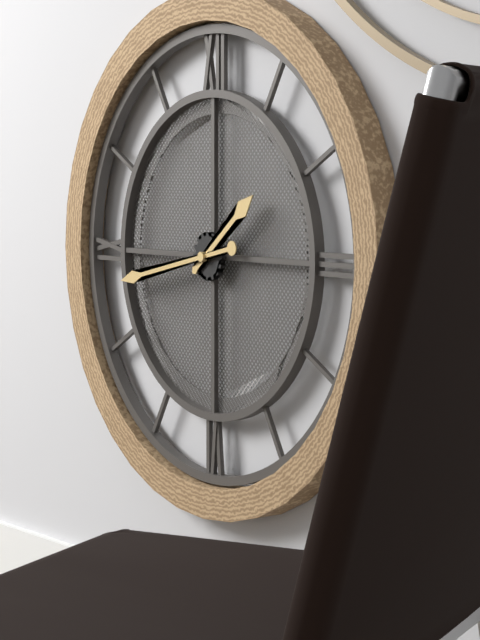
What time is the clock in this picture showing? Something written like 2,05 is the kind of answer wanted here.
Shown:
1,43
